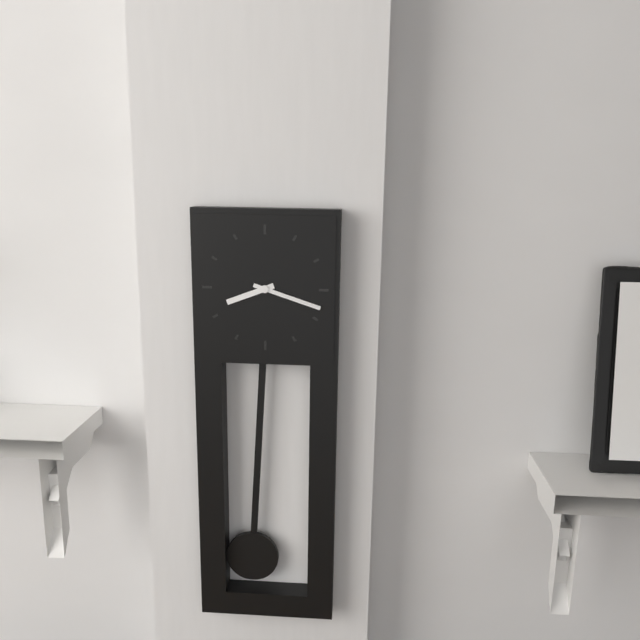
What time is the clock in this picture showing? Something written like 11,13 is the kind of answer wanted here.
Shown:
8,18
